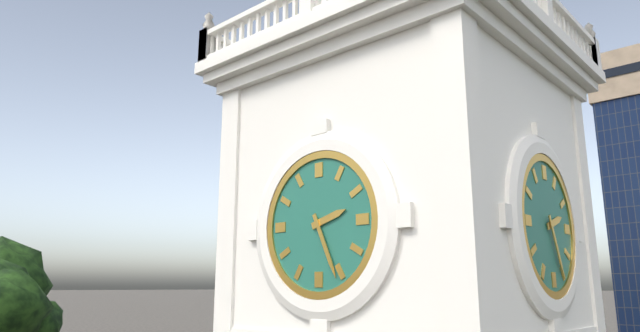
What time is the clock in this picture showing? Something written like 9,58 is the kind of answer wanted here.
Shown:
2,26
